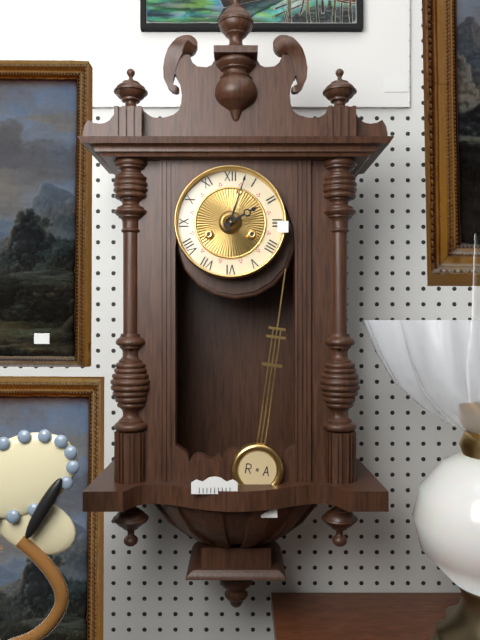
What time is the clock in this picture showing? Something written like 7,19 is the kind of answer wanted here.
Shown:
2,03
